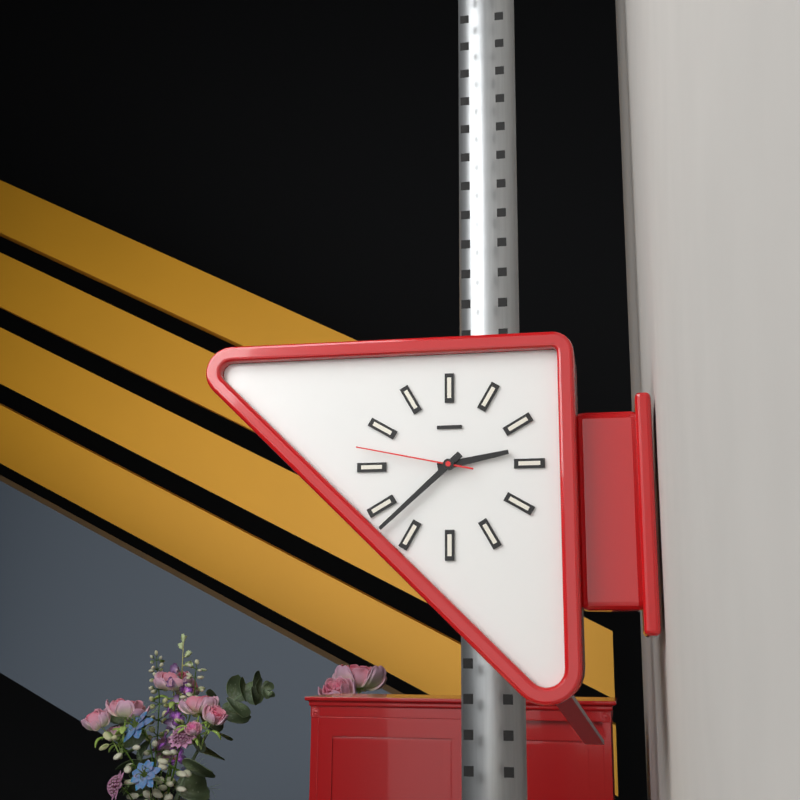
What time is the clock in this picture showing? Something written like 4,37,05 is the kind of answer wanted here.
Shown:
2,38,47
